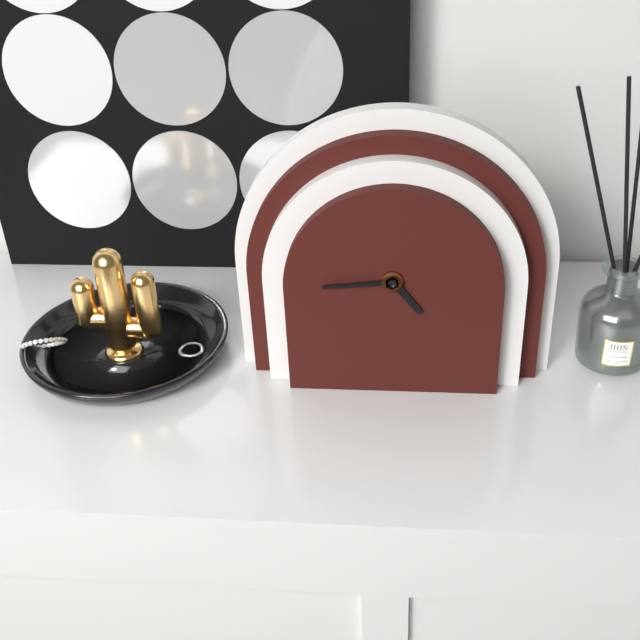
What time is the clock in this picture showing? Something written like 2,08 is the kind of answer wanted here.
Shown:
4,44
